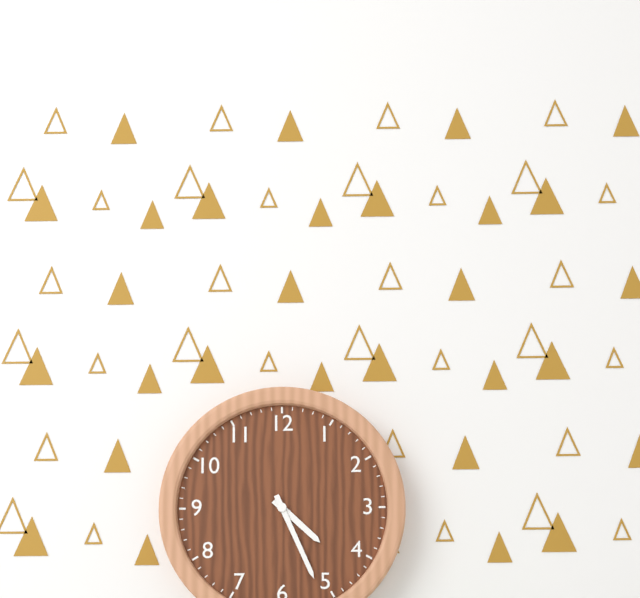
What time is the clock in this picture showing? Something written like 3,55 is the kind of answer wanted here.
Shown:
4,26
